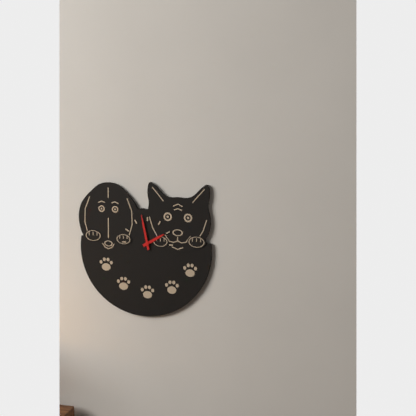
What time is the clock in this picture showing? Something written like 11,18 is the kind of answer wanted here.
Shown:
1,58
